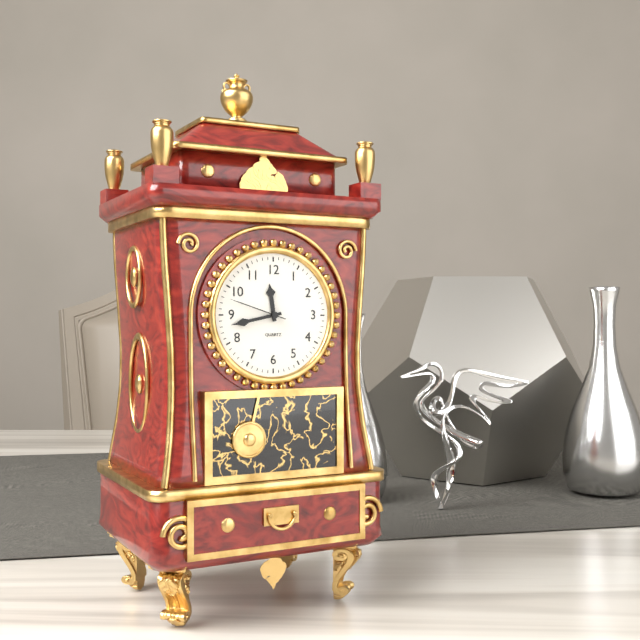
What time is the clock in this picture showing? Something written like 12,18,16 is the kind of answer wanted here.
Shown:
11,43,48
